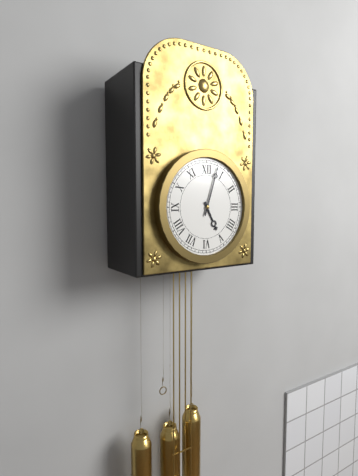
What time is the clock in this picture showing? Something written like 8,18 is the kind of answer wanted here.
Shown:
5,03
